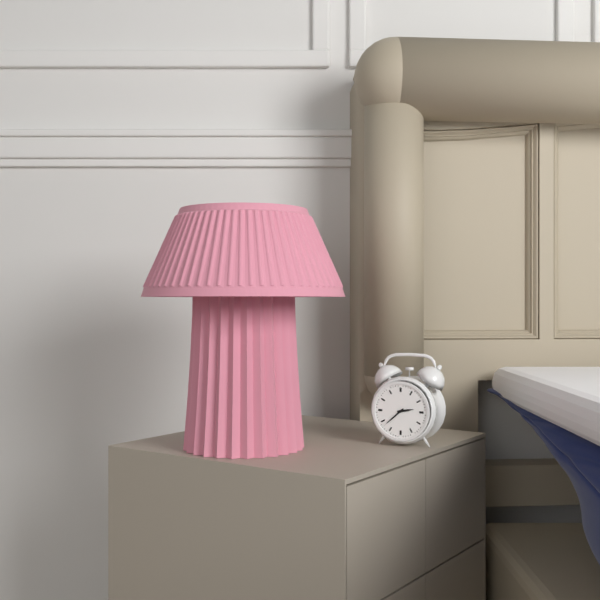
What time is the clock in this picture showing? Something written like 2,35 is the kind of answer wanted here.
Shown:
2,38
